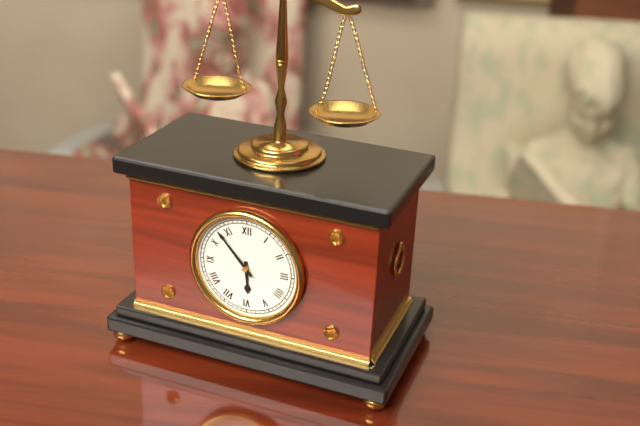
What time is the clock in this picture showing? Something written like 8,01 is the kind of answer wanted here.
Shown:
5,53
